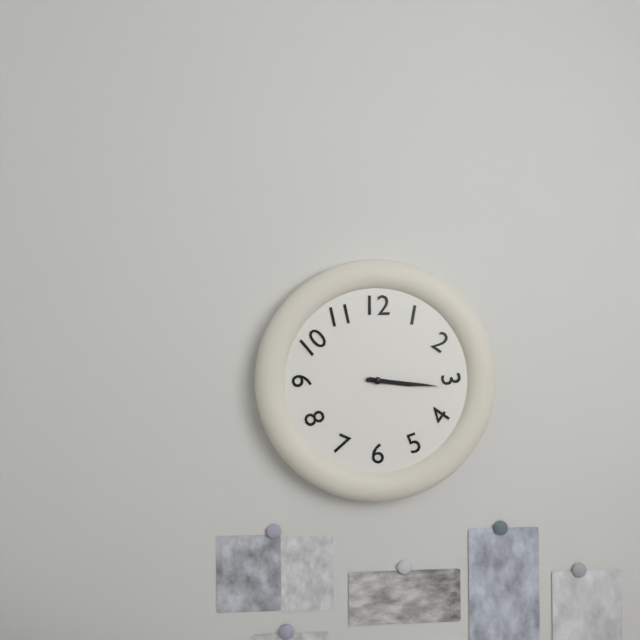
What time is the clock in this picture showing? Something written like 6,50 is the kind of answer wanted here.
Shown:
3,16
